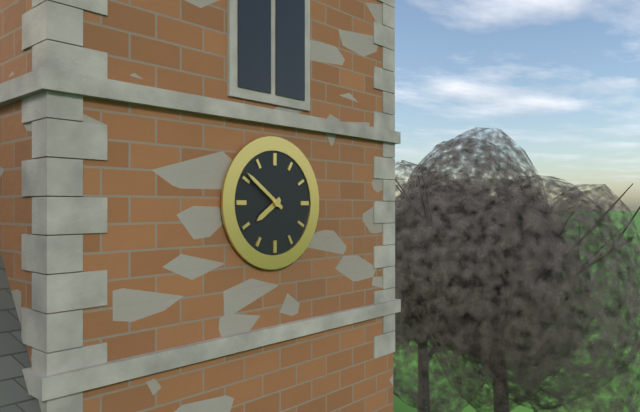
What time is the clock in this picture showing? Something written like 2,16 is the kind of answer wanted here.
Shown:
7,51
